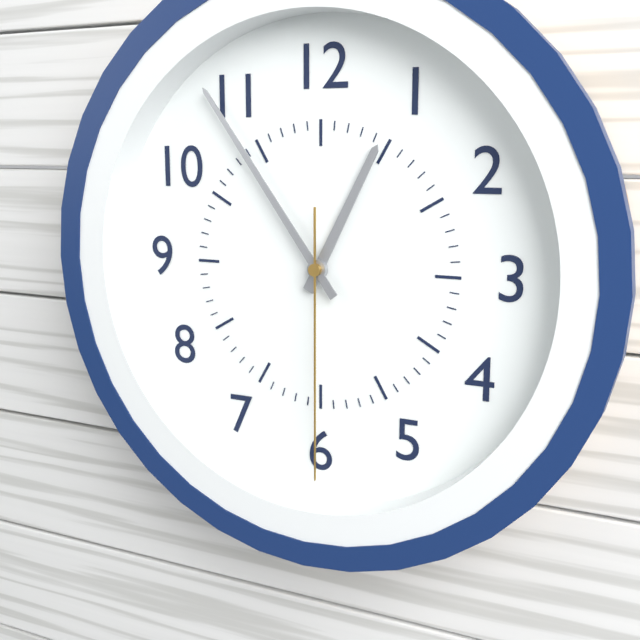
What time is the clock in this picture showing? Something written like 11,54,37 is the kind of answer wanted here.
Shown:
12,54,30
